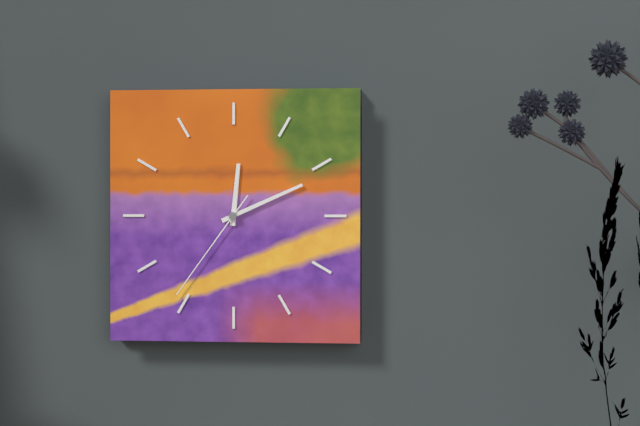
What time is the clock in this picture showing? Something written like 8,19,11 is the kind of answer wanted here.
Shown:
12,11,36
